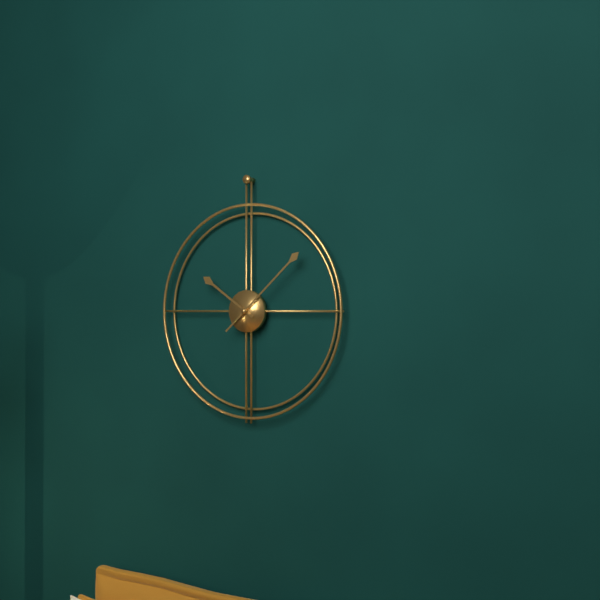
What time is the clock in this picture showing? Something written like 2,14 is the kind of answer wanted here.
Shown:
10,08
